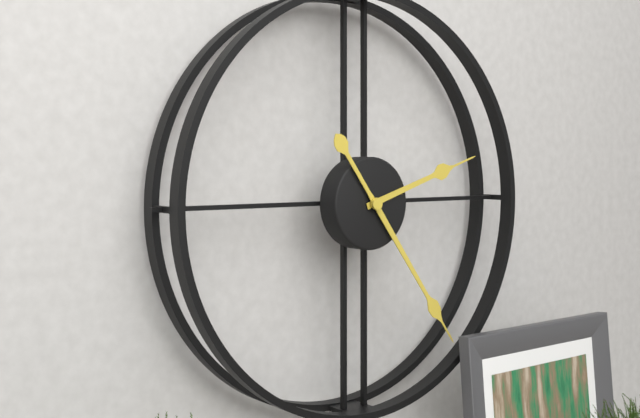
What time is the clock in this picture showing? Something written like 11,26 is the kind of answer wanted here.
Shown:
2,24
